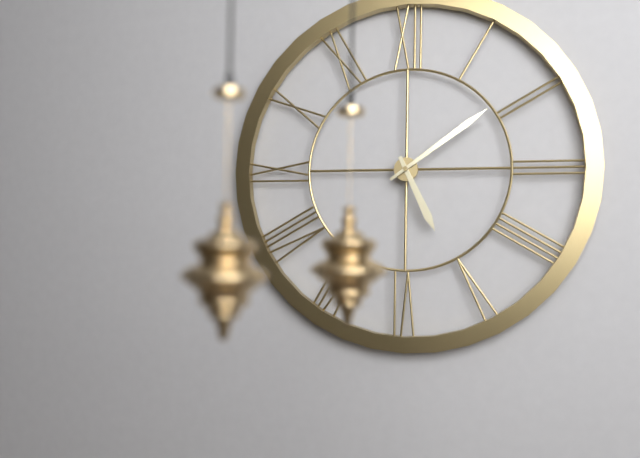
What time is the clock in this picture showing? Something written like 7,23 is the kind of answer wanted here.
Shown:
5,09
